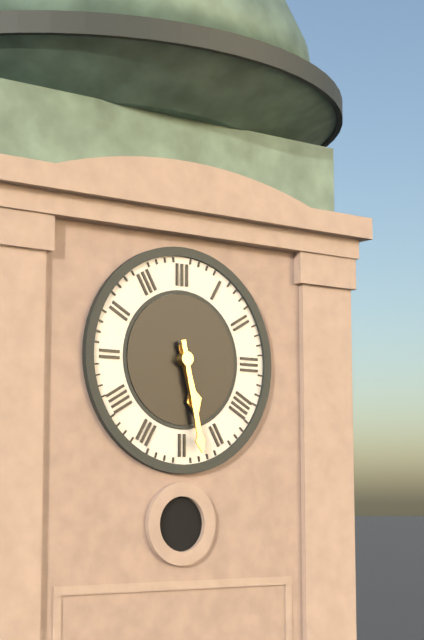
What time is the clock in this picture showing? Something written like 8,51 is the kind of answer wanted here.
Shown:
5,28
